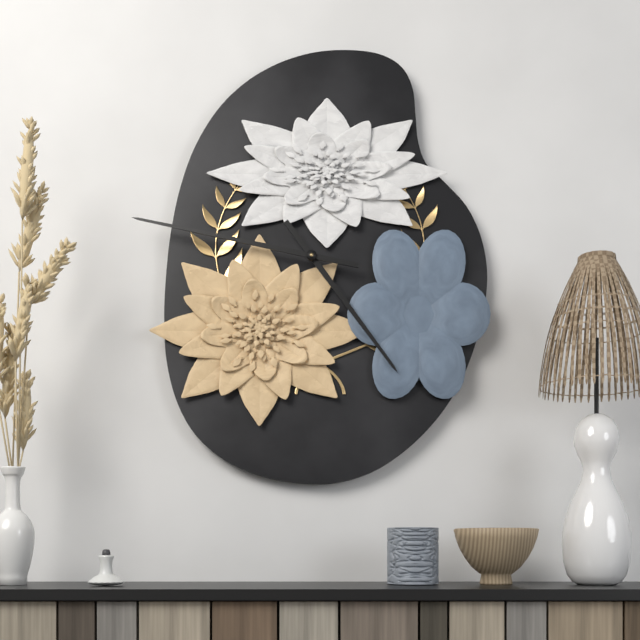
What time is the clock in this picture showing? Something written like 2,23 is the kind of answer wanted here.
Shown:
4,47
